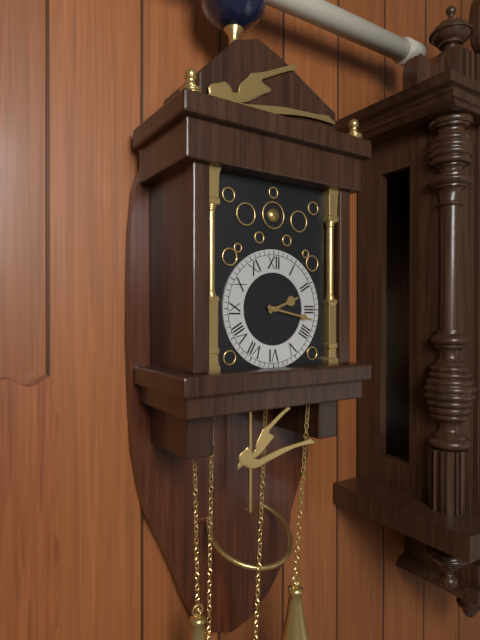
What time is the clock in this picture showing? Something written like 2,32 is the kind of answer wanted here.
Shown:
2,17
